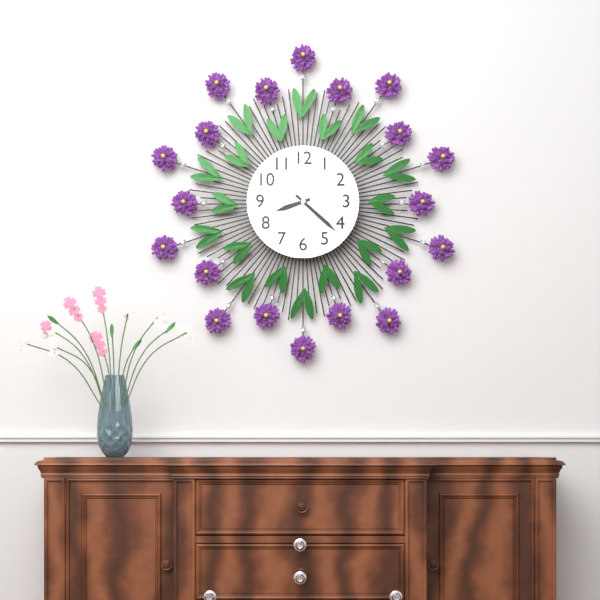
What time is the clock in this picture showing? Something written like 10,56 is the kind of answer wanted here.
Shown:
8,22
